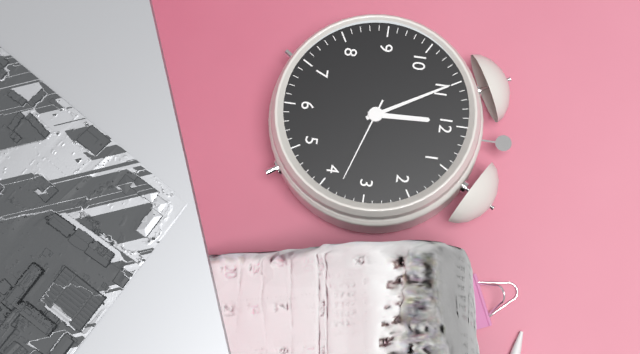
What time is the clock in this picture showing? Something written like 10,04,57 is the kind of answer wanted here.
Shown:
11,55,18
